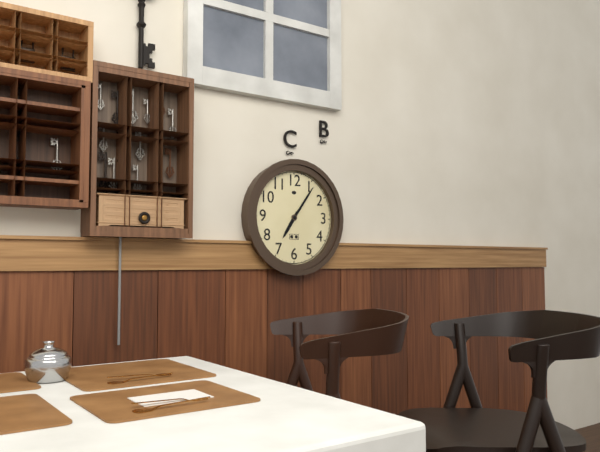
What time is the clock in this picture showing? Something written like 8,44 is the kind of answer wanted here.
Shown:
7,06
